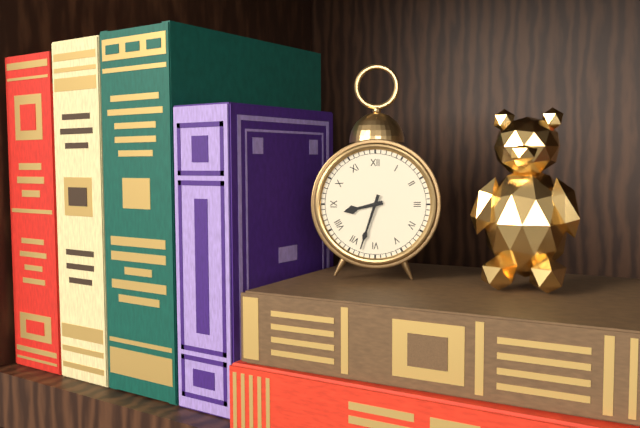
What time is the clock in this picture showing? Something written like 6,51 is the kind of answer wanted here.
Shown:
8,33
